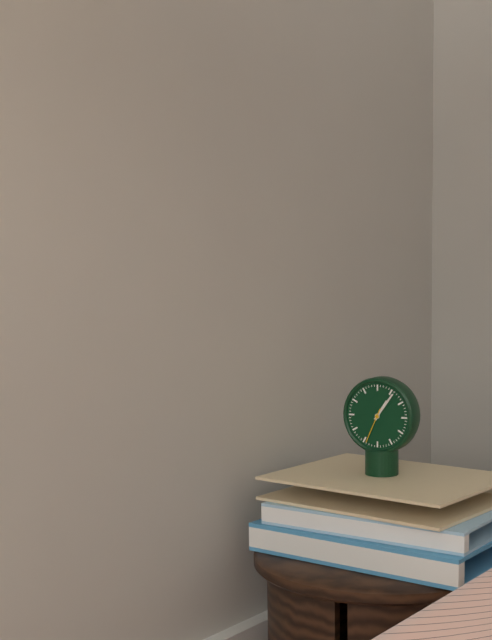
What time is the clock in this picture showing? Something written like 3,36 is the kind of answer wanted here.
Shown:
1,06
